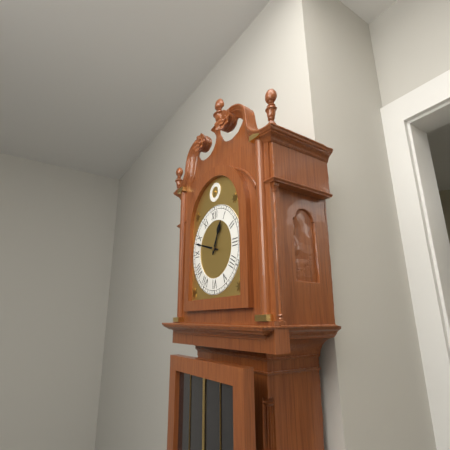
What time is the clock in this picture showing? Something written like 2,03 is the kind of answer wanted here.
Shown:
12,48
